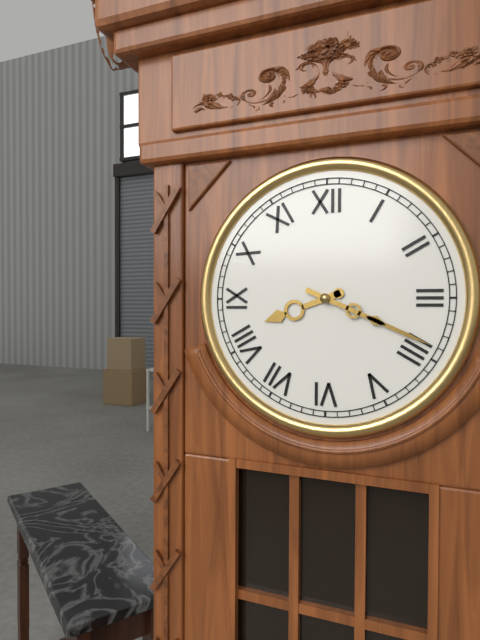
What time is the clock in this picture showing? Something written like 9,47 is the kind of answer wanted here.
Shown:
8,19
